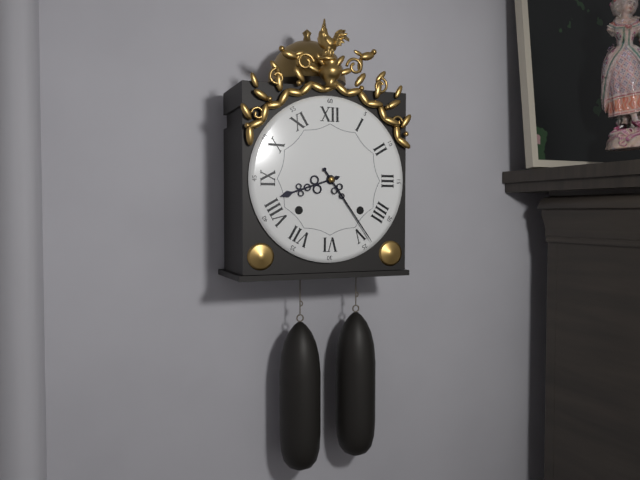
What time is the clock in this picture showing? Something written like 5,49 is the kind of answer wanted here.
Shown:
8,24
